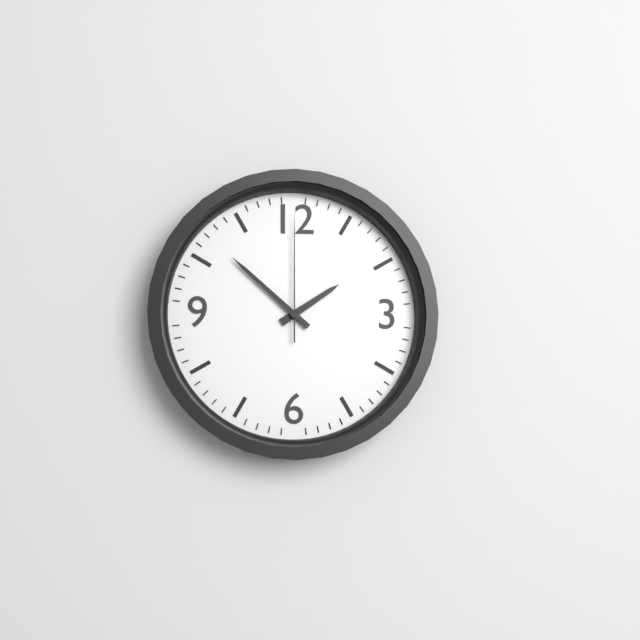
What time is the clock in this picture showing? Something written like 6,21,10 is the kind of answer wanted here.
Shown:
1,52,00
